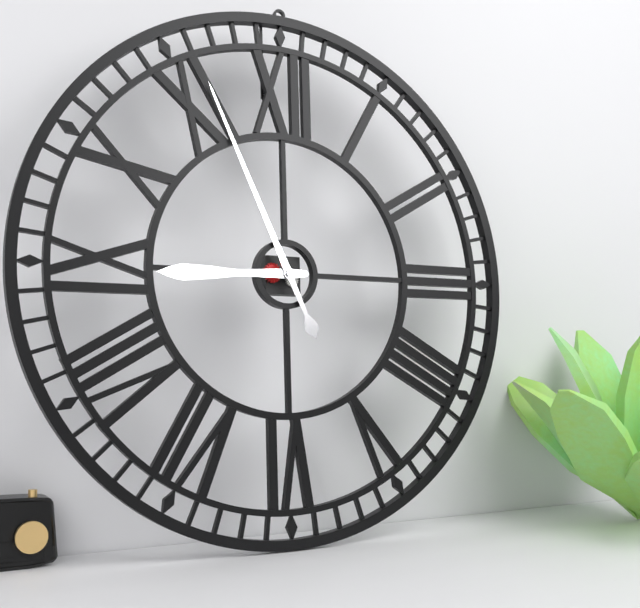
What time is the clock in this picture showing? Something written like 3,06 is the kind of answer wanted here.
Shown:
8,56
